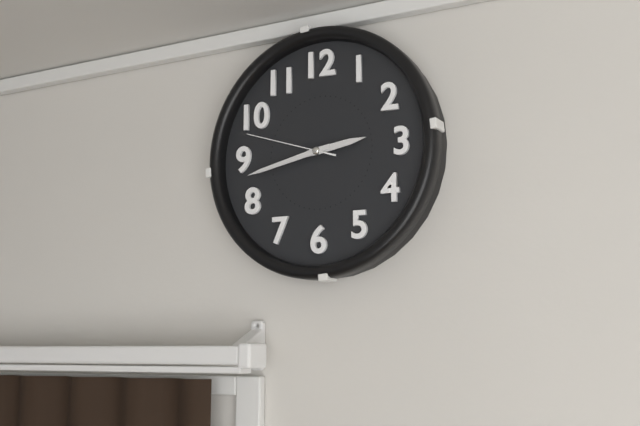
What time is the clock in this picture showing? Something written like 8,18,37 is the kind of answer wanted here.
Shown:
2,43,48
